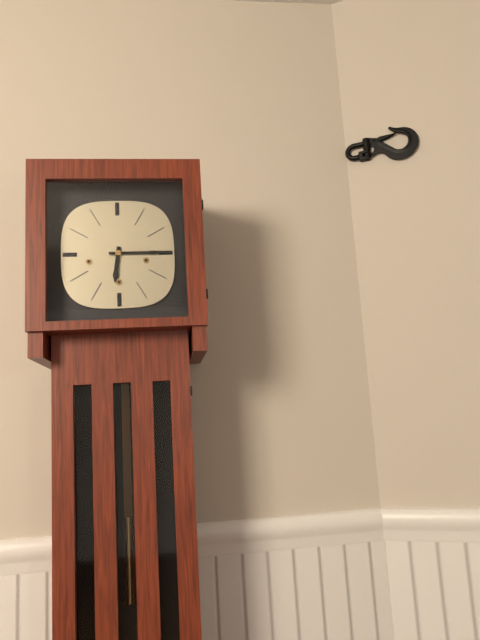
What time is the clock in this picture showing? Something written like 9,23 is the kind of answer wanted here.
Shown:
6,15
